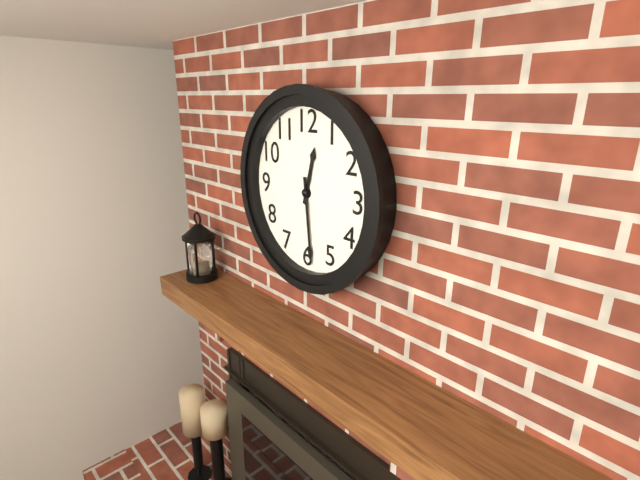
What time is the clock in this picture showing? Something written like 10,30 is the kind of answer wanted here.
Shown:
12,29
